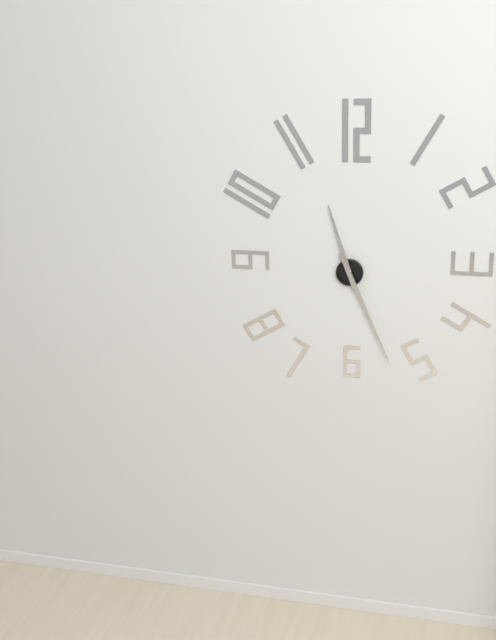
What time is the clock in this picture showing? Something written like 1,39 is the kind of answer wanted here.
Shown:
11,26
